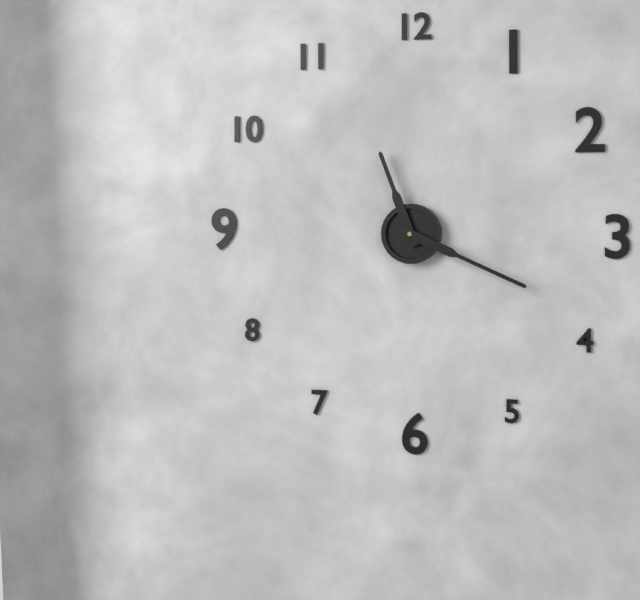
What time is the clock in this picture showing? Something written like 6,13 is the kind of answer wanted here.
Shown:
11,19
